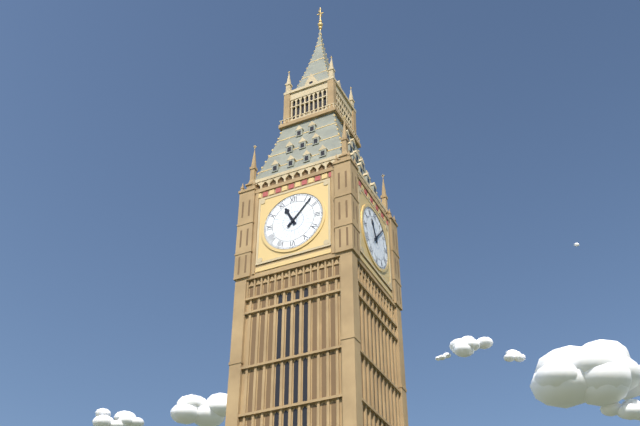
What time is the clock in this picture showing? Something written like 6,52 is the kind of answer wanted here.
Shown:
11,07
